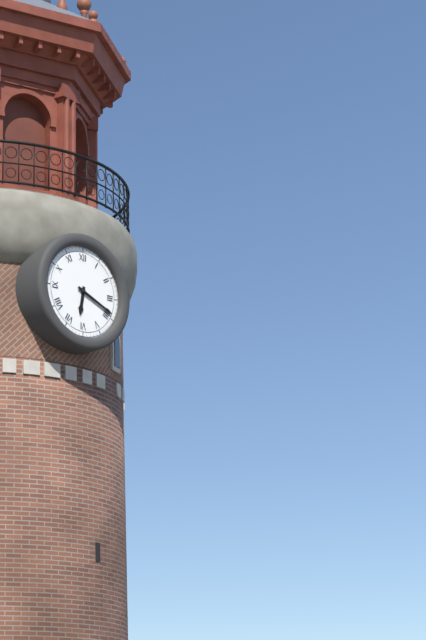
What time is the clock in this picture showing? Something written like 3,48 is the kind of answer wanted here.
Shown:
6,19
